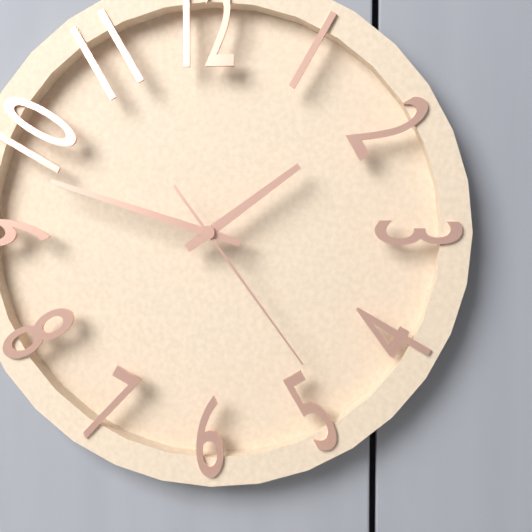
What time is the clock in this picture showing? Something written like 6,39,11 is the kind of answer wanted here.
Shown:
1,48,24
